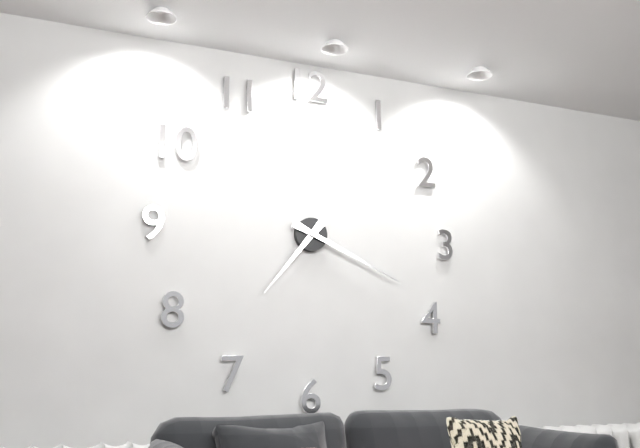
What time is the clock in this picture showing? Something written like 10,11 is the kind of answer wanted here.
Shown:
7,19
